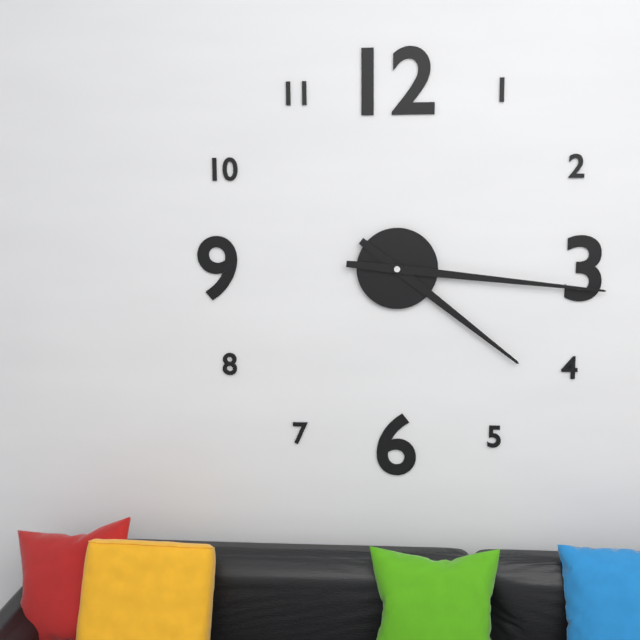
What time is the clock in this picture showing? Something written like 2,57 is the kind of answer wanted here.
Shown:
4,16
